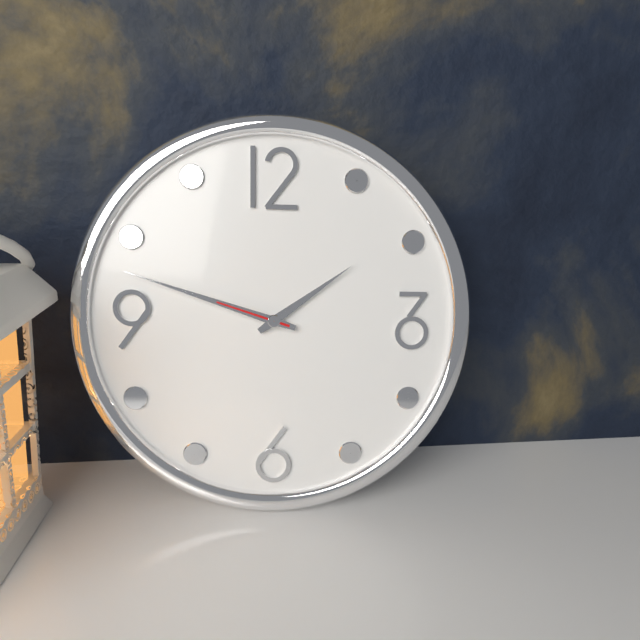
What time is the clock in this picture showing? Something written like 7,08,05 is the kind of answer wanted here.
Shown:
1,48,48
